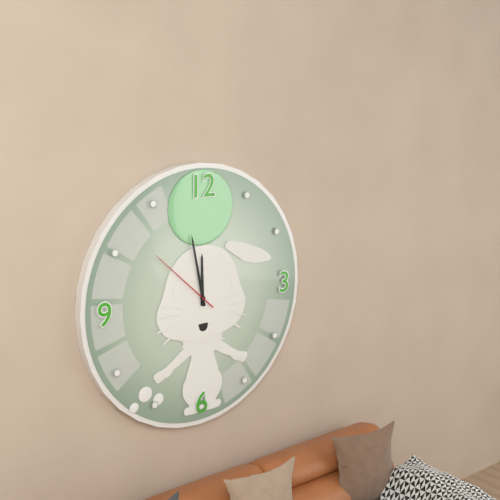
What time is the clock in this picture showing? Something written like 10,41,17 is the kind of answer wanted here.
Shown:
11,58,52
